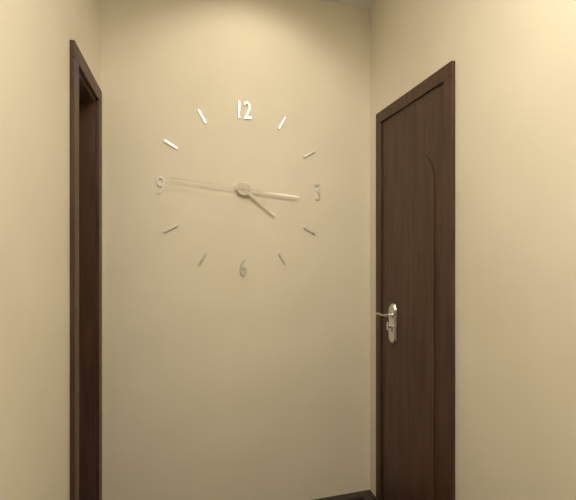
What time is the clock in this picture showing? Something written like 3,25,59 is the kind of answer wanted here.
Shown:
4,16,46
